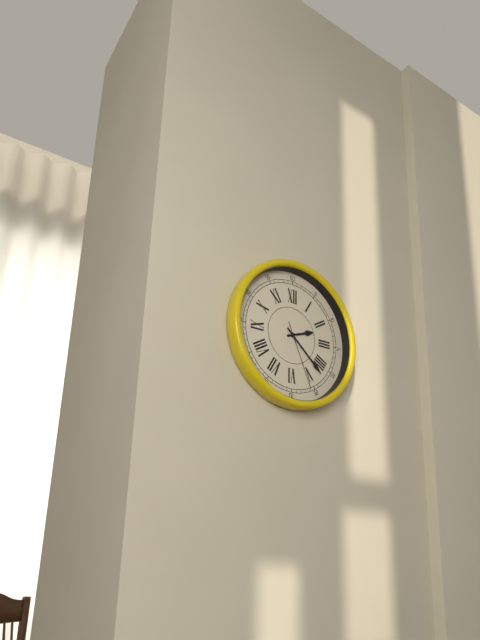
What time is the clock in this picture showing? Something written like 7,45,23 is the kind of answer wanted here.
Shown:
2,22,26
